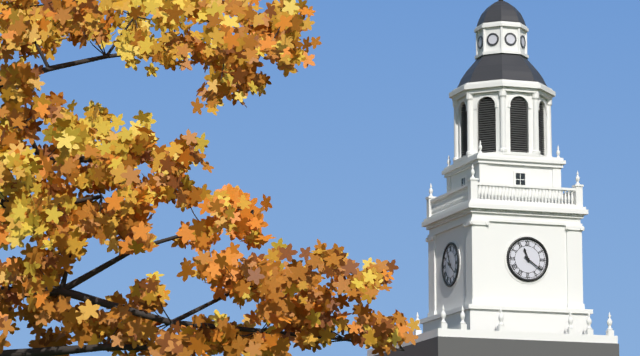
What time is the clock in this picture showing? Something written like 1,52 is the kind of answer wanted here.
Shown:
11,21
